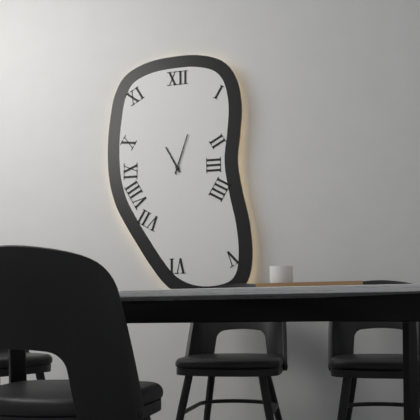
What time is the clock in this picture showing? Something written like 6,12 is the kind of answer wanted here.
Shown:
11,03
